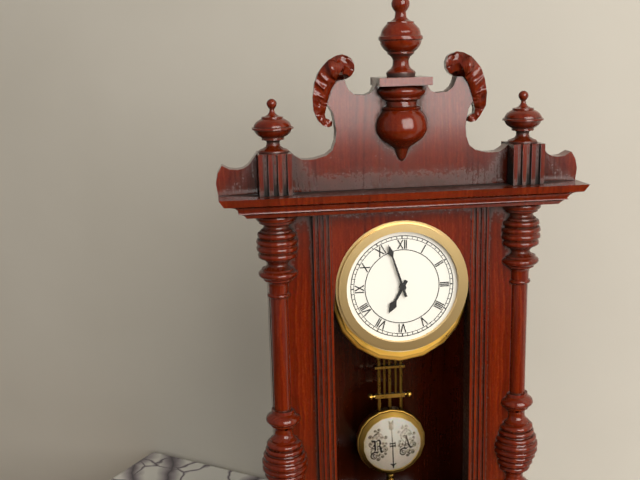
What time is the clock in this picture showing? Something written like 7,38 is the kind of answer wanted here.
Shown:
6,57
